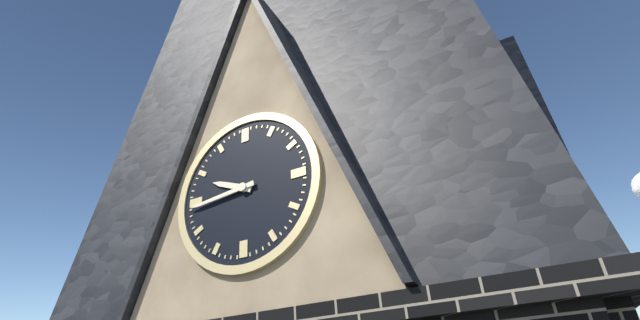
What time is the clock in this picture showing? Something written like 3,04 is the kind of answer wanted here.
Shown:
9,44
